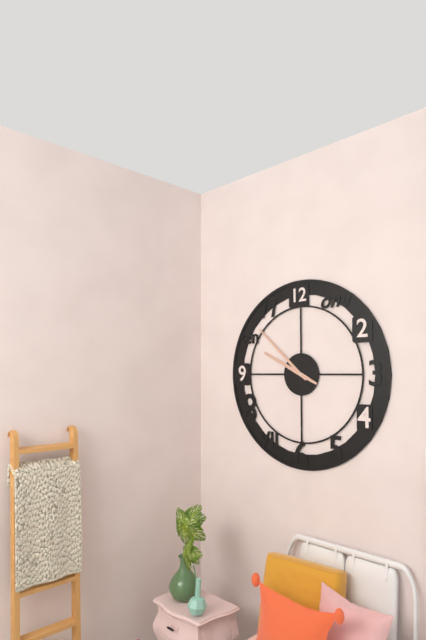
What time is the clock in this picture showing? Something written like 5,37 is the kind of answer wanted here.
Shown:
9,52
